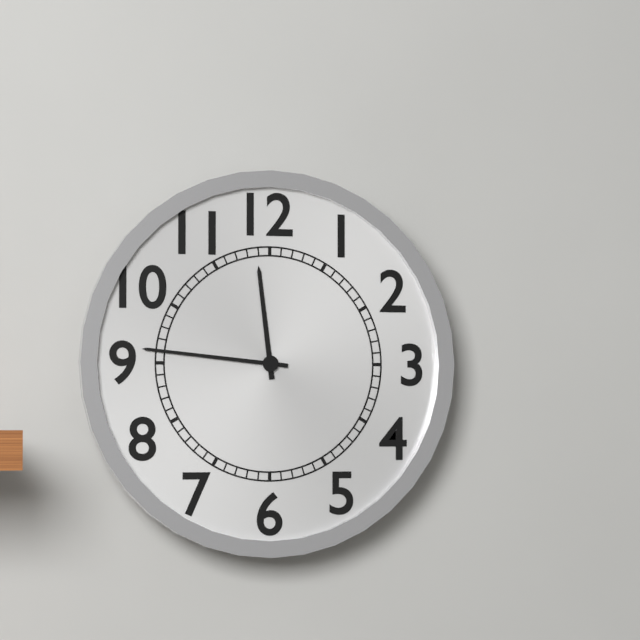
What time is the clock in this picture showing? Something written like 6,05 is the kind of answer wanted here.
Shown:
11,46
